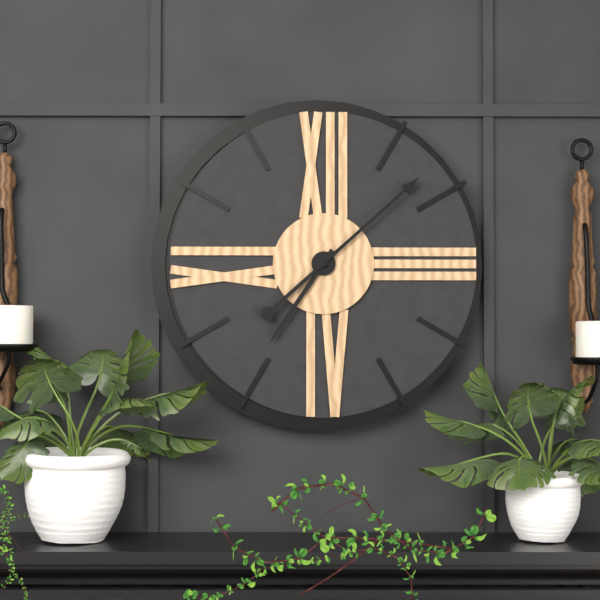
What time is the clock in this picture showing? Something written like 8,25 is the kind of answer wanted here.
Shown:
7,08
